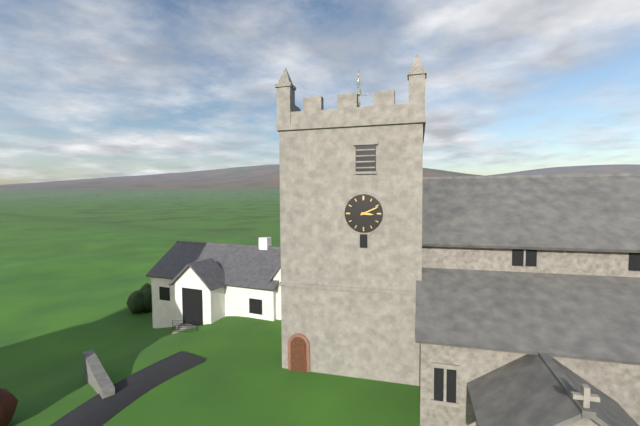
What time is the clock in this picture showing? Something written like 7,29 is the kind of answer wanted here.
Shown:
3,11
